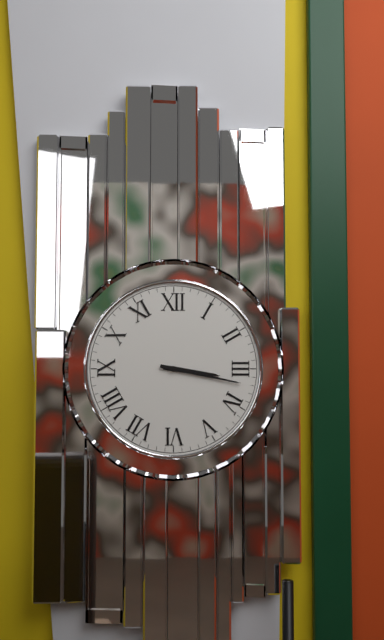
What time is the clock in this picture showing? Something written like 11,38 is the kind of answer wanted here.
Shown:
3,17
